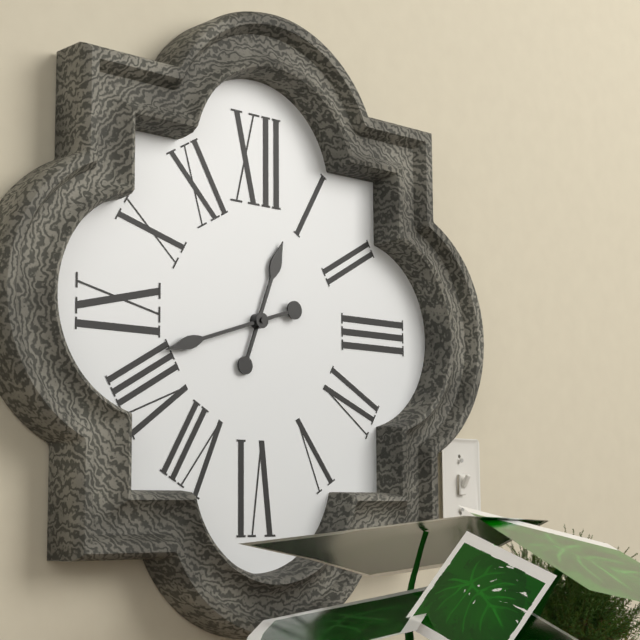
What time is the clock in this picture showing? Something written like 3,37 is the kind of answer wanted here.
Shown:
12,42
